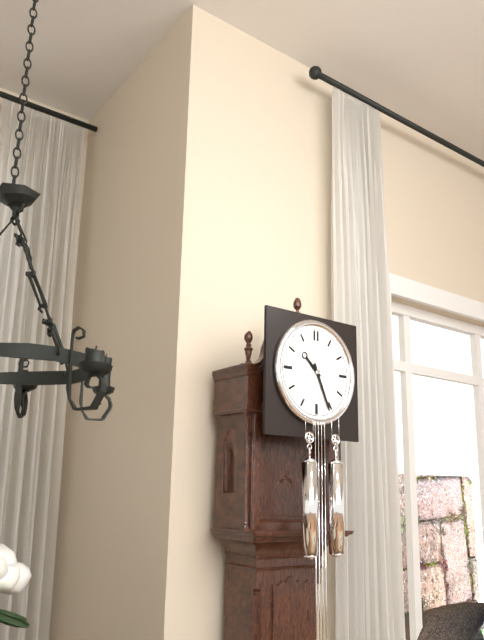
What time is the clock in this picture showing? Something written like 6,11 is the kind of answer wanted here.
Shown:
10,26
